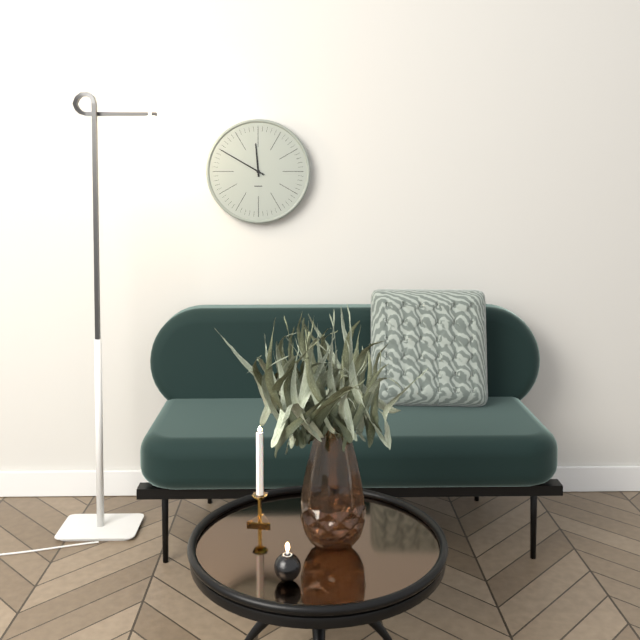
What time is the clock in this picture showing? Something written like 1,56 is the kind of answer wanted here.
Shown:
11,50
